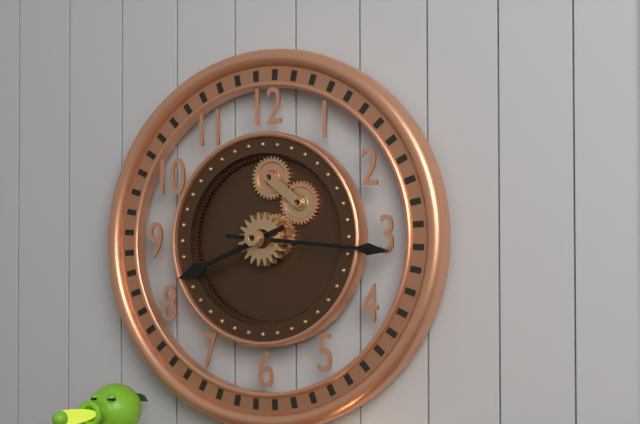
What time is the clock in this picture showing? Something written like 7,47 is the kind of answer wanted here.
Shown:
8,16
